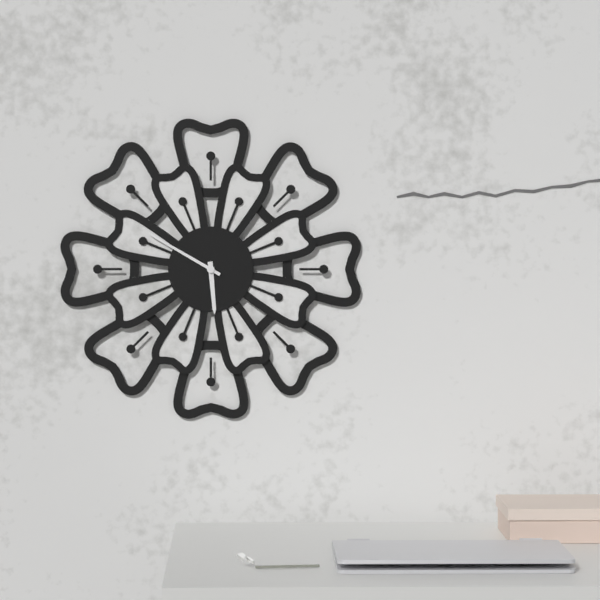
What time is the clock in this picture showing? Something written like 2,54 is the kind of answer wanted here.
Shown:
5,50
